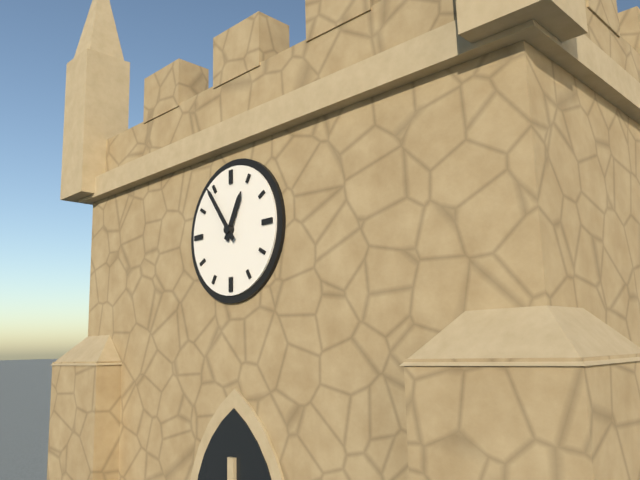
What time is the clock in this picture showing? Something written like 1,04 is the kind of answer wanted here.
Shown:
12,54
